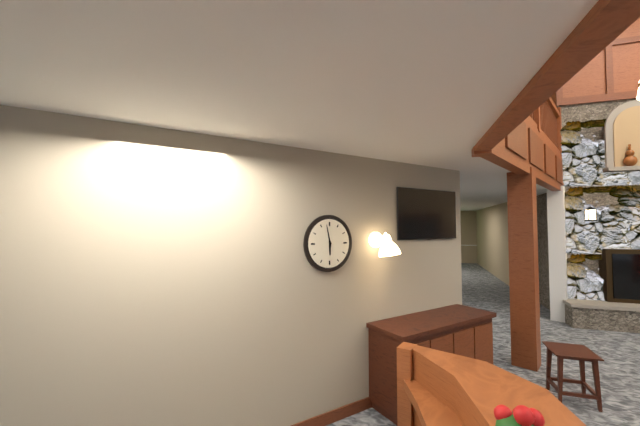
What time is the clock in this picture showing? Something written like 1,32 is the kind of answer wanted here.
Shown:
5,58
